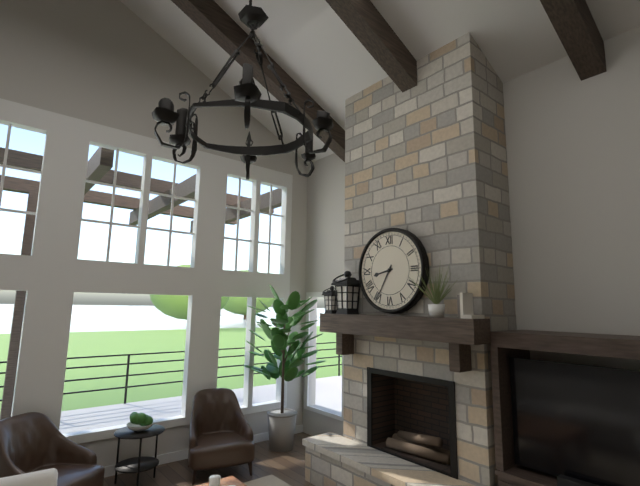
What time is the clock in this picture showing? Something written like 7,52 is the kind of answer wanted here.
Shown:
8,35
